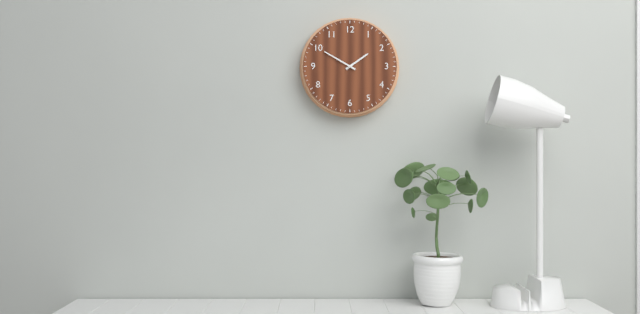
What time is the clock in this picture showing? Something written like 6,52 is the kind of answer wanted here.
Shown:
1,50
